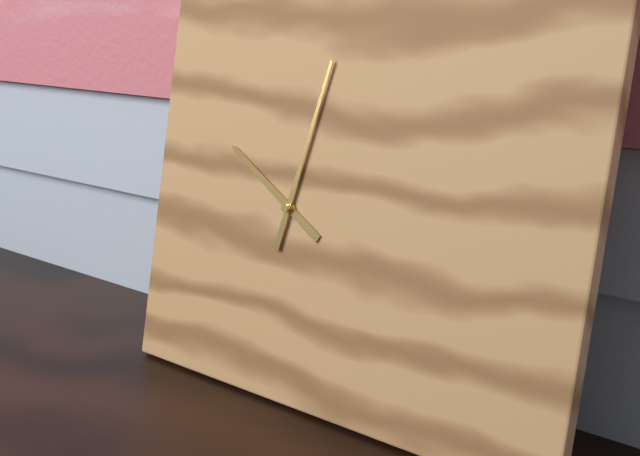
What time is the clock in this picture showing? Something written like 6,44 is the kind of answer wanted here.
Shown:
10,02
